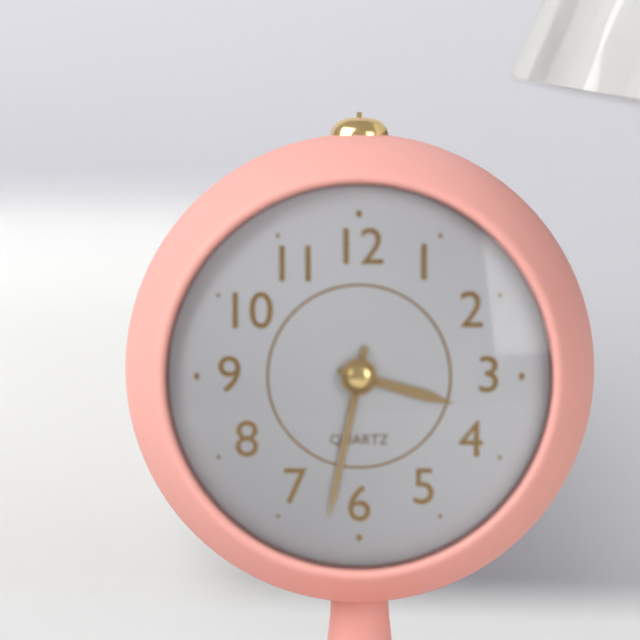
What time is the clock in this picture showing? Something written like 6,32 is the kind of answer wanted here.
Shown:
3,32
